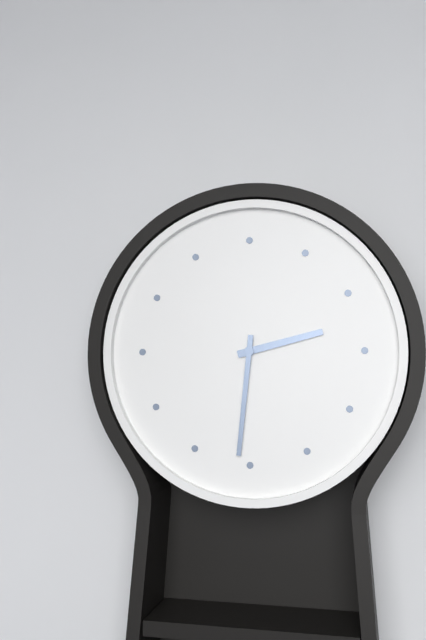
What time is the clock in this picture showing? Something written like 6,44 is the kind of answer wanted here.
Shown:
2,31
